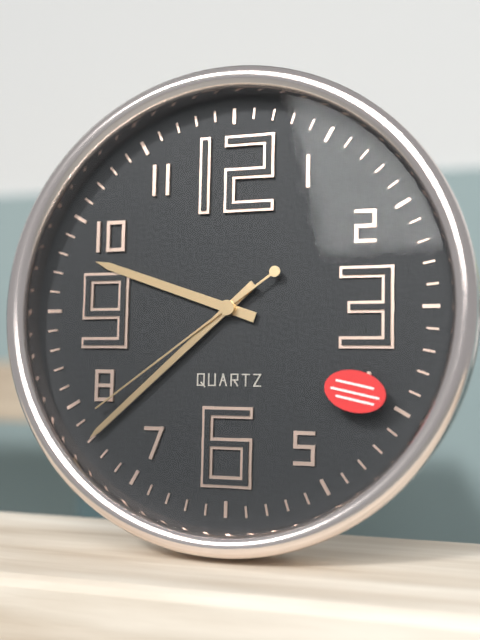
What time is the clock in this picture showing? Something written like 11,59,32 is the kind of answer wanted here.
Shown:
9,38,39
